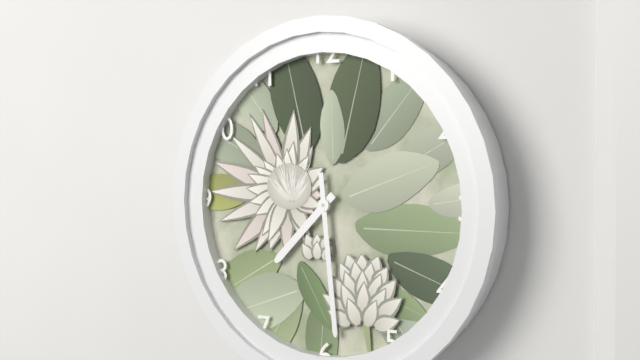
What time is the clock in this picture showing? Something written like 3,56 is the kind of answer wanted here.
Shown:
7,29
